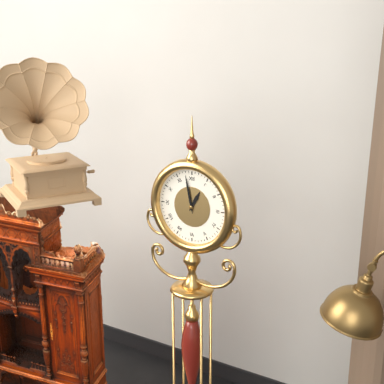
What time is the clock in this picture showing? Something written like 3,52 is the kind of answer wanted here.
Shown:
12,58
